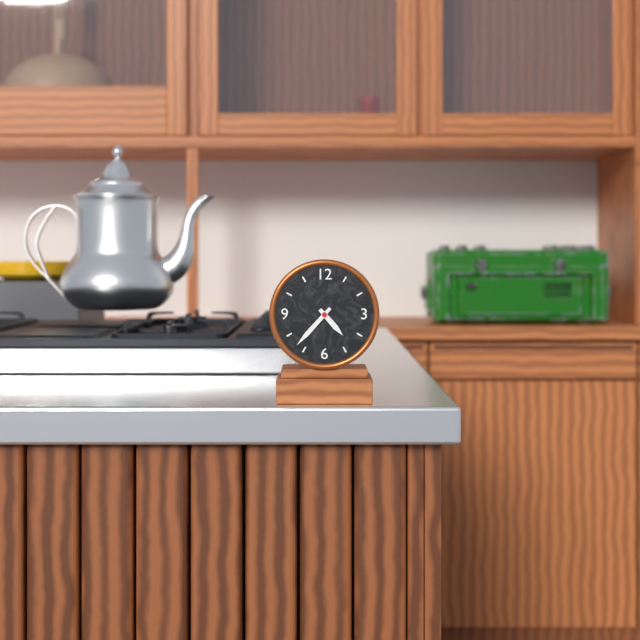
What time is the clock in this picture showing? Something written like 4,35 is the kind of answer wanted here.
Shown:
4,37
